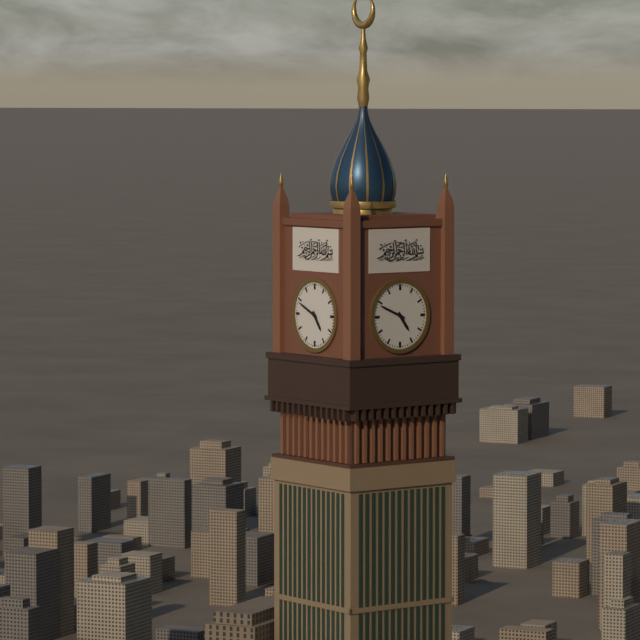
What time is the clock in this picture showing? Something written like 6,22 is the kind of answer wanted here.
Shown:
4,49
